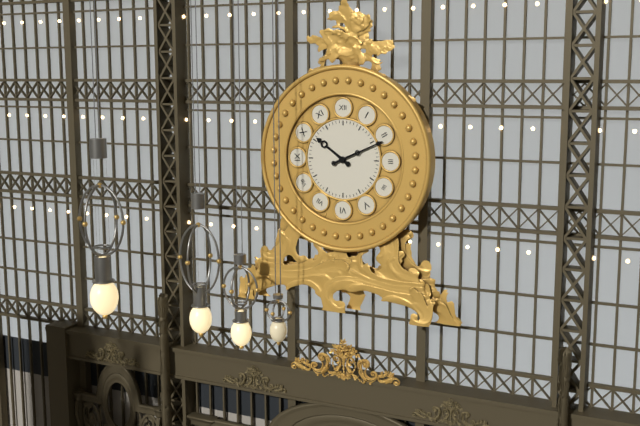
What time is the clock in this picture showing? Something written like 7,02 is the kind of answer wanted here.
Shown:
10,11
